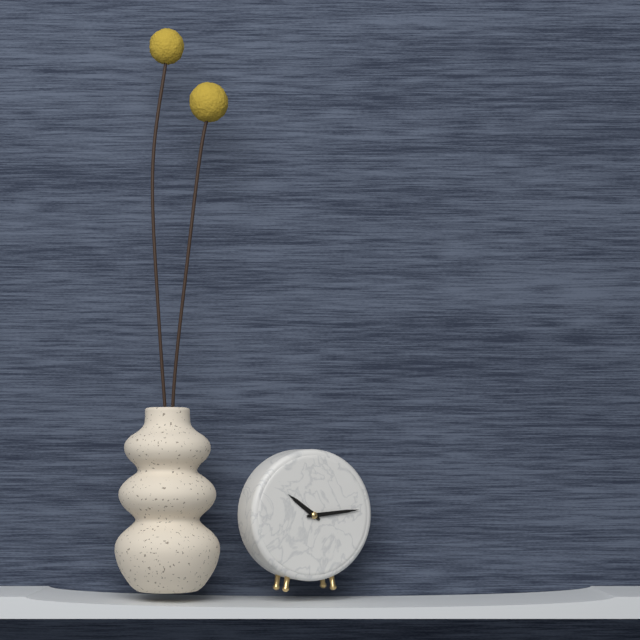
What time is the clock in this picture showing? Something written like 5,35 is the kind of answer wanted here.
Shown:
10,14
